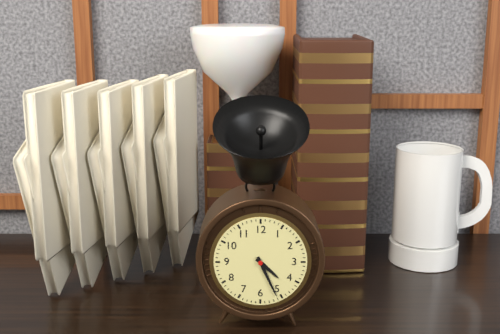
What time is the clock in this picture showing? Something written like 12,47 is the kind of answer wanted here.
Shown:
4,26
